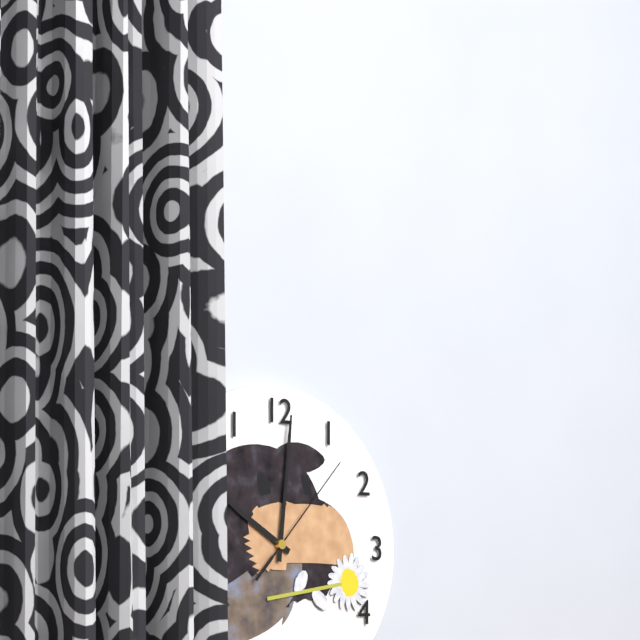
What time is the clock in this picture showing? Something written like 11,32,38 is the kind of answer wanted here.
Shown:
10,01,07
